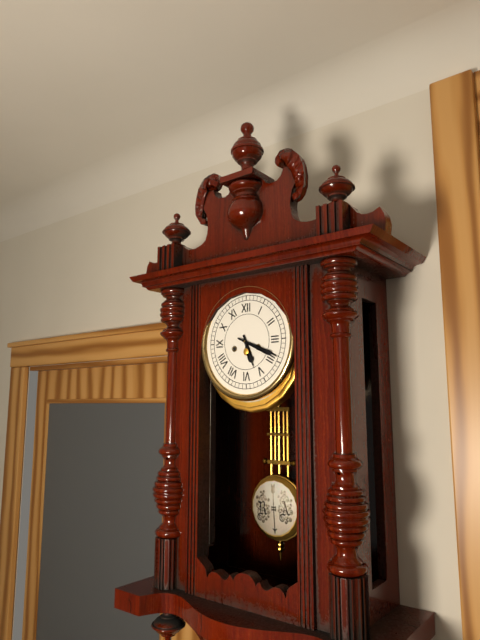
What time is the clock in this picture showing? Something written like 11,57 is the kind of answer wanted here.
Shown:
5,19
